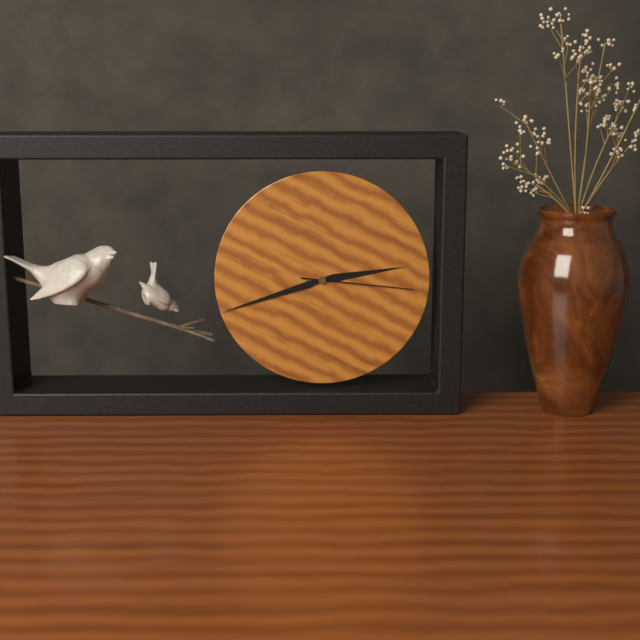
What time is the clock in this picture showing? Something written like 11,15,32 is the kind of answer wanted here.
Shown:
2,42,16
